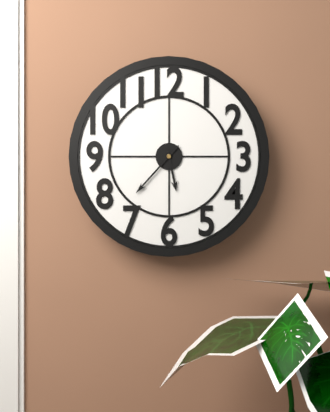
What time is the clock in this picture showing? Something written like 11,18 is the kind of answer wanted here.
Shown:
5,37
